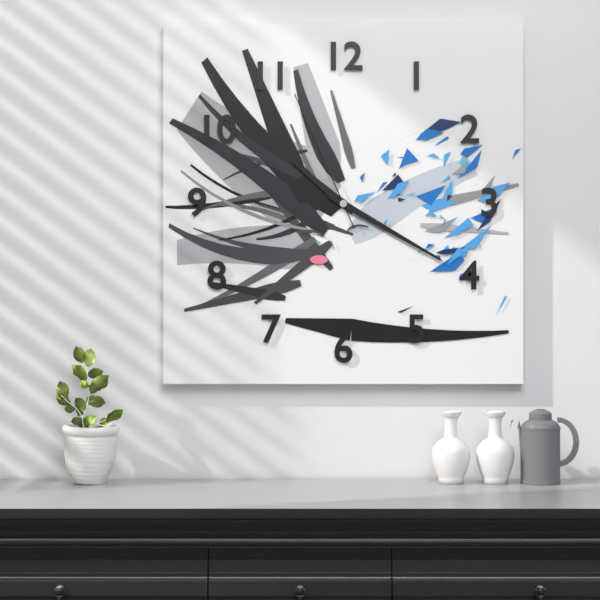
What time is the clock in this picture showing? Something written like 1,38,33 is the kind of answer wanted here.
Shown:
10,20,56
